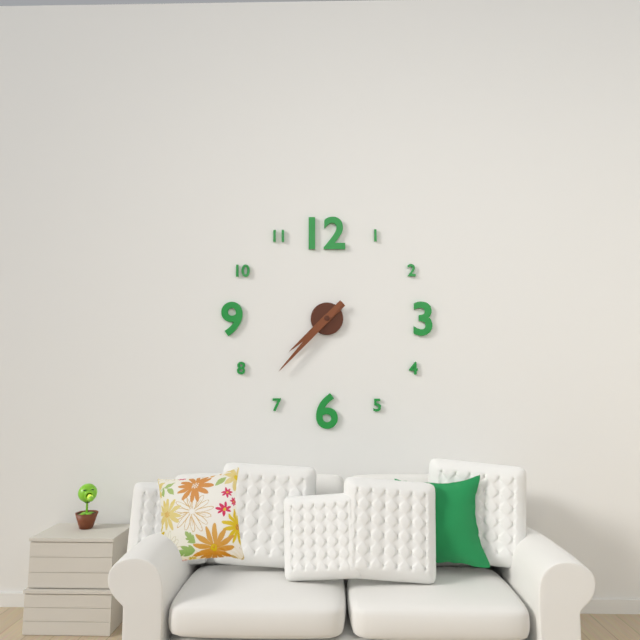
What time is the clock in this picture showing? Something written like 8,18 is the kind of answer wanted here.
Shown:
7,37
